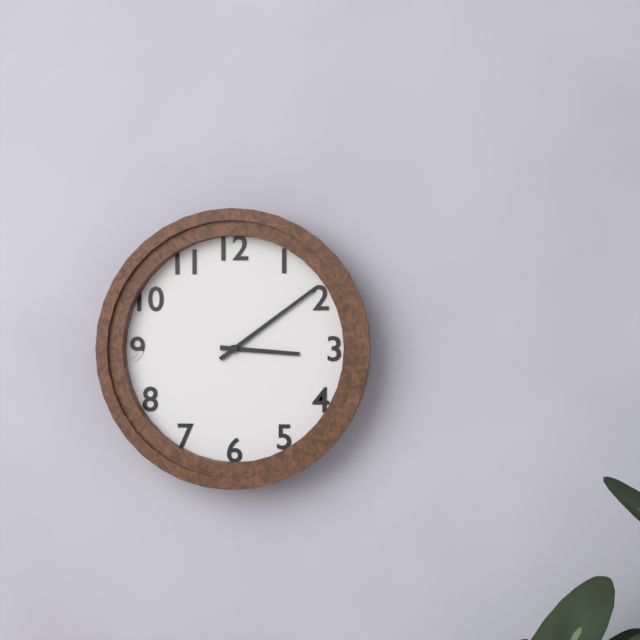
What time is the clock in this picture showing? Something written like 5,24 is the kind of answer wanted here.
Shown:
3,09
